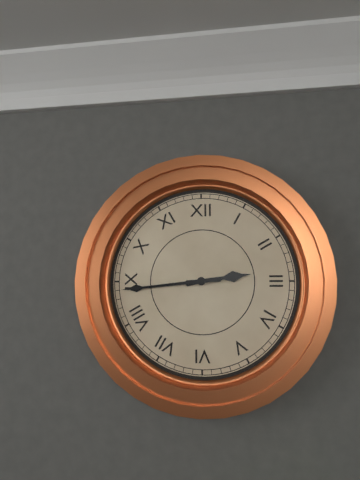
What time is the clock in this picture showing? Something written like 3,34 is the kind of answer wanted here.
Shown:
2,44
